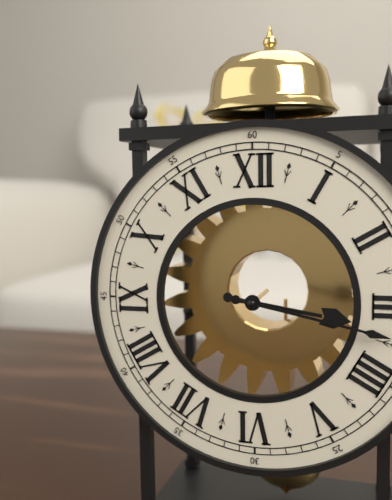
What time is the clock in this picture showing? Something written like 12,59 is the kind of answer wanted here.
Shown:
3,17
